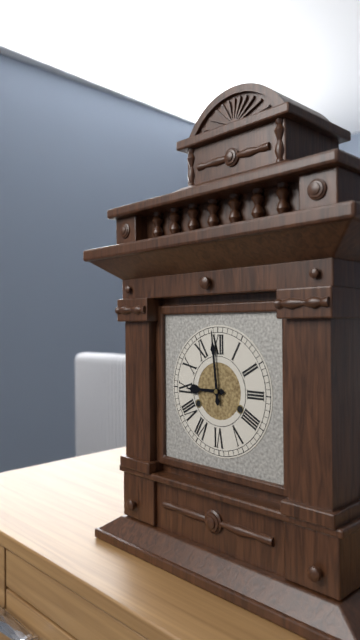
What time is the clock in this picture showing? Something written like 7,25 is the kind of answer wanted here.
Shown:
8,59
